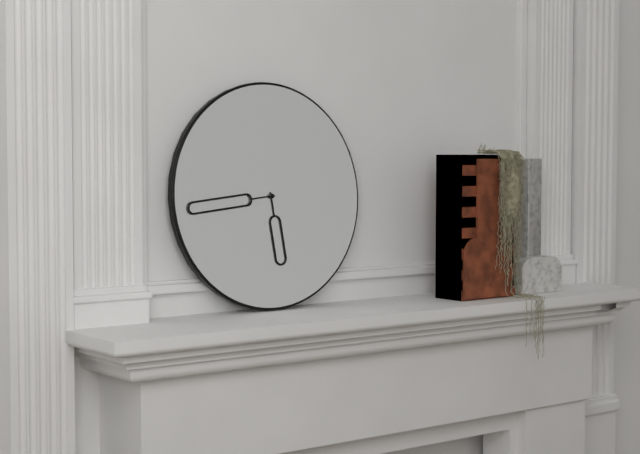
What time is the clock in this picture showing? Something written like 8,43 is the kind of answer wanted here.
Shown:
5,44
